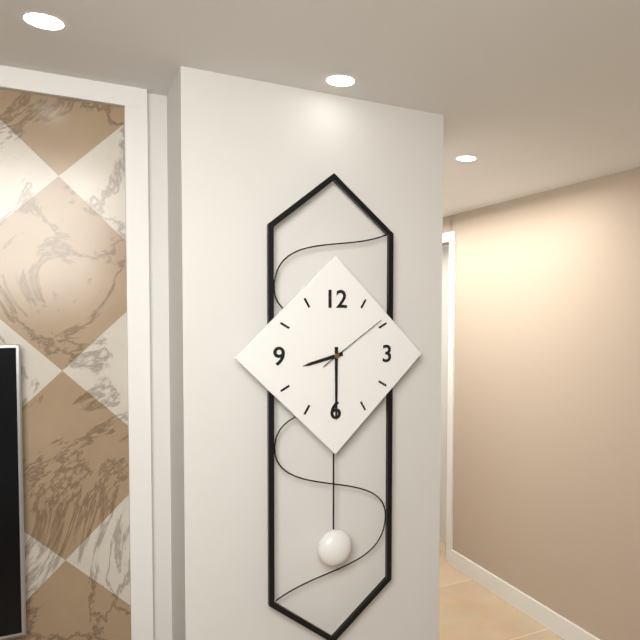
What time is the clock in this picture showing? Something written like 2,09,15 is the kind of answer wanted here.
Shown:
8,30,09
